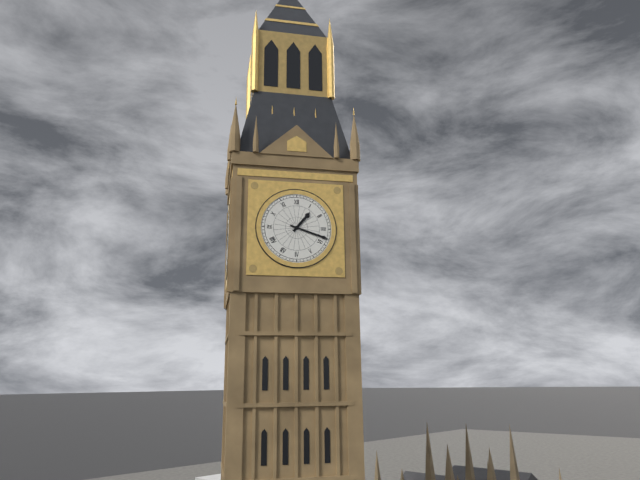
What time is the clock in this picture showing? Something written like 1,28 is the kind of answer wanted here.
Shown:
1,18
